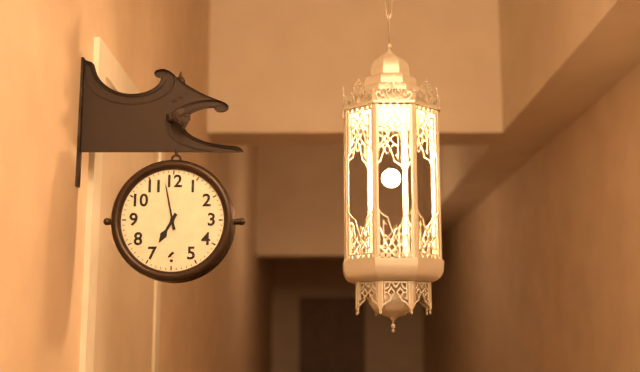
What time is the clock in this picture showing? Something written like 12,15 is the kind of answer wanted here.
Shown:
6,58
